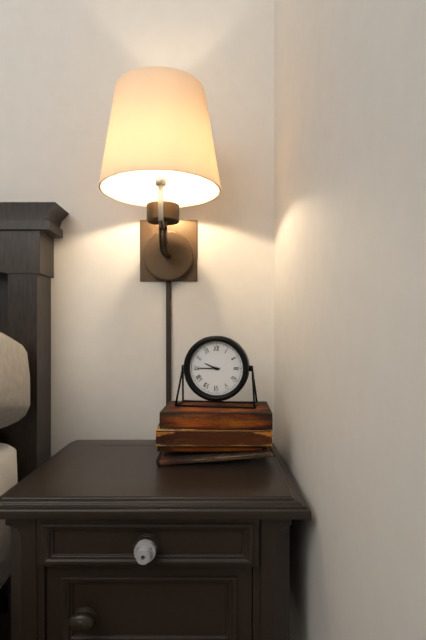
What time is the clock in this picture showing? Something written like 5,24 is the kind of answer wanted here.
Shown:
9,45
